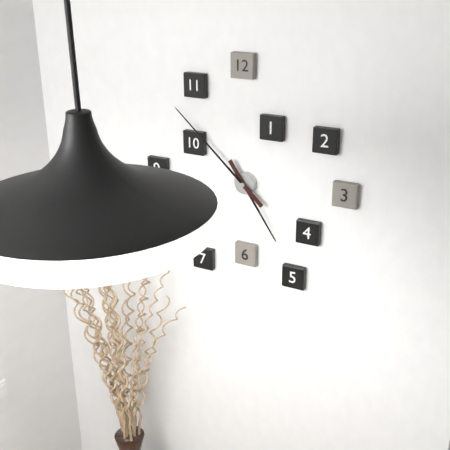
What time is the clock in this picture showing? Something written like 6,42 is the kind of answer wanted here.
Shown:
4,52
